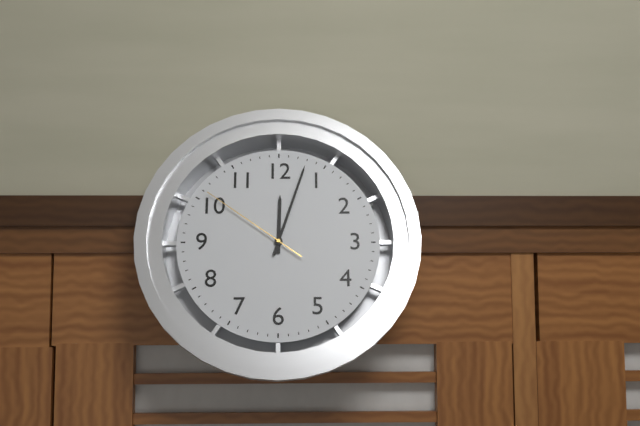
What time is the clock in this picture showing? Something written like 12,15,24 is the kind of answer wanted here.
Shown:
12,03,51
